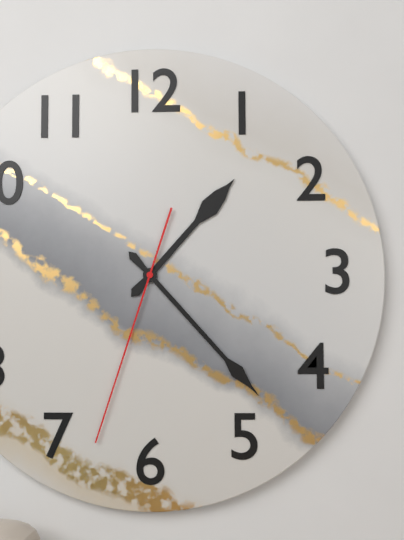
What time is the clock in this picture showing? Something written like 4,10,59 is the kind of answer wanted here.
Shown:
1,23,33
